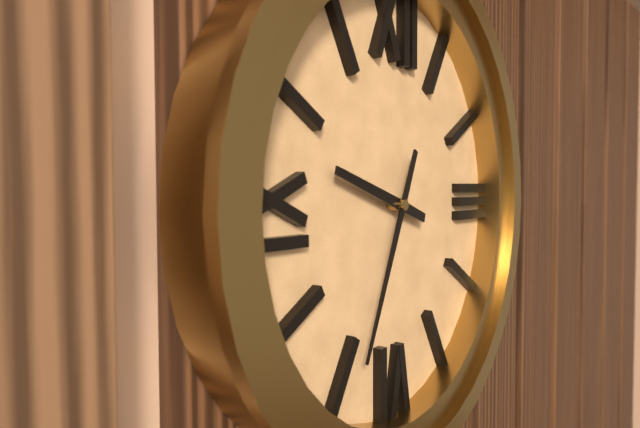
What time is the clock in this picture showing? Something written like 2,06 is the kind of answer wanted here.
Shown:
9,34
